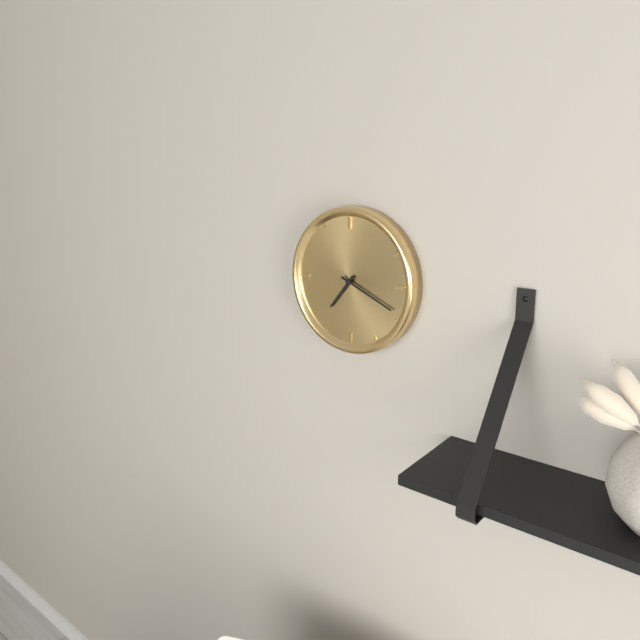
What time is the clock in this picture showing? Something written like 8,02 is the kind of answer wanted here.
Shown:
7,19
